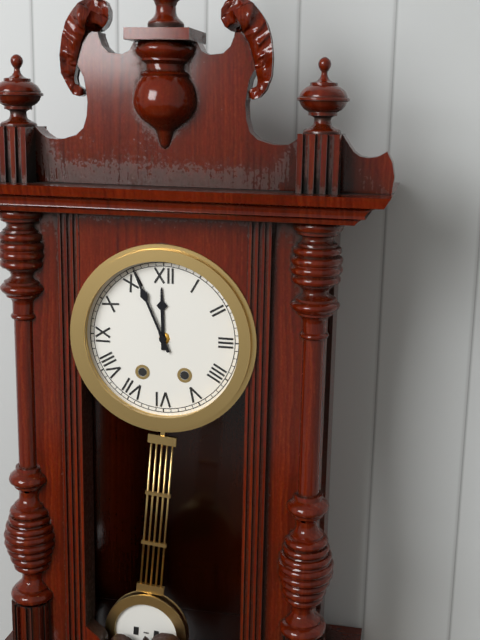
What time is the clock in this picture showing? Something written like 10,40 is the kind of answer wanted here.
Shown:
11,56
